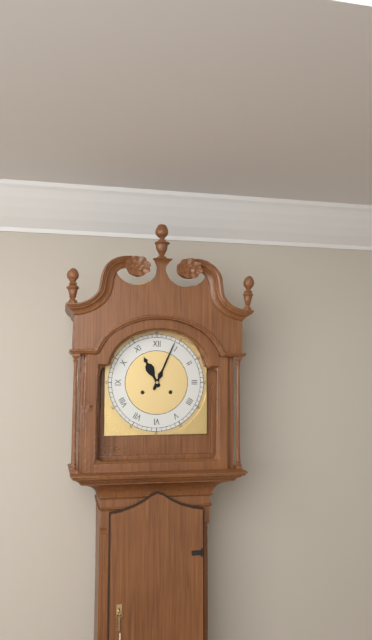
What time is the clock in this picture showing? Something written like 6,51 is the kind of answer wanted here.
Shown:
11,04
